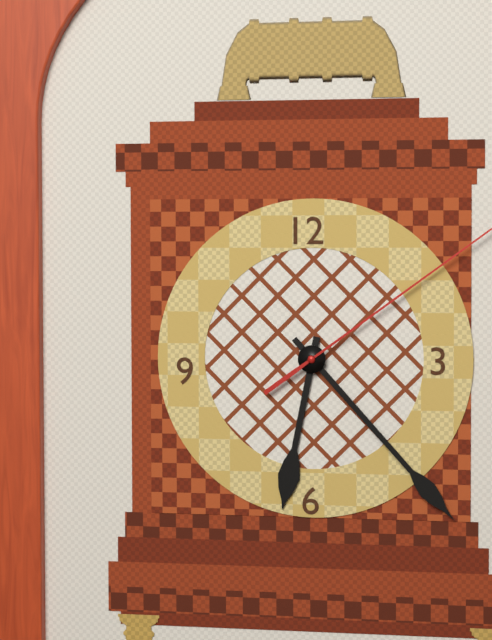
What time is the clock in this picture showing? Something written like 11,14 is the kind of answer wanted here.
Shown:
6,23
